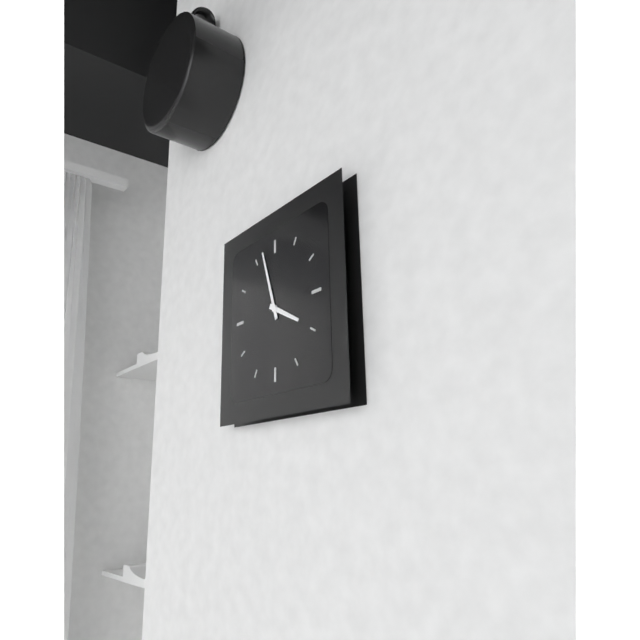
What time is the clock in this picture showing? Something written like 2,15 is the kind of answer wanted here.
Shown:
3,57
